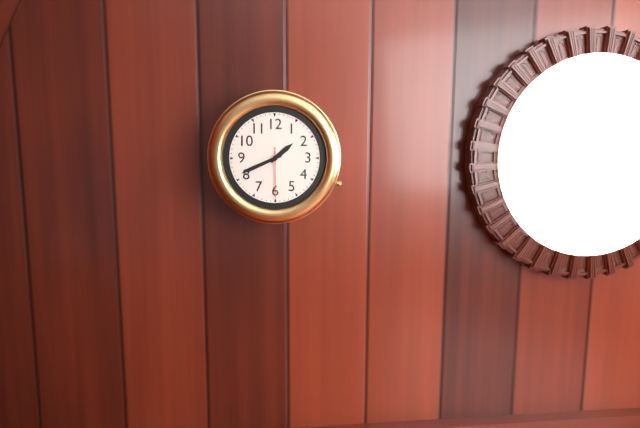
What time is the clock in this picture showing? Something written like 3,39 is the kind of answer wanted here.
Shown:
1,41
